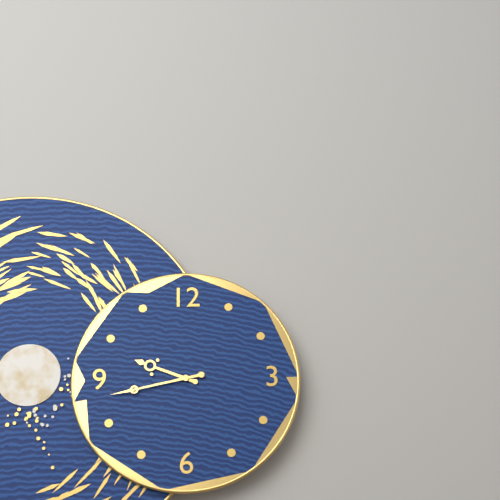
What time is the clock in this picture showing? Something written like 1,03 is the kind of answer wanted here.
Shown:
9,43
